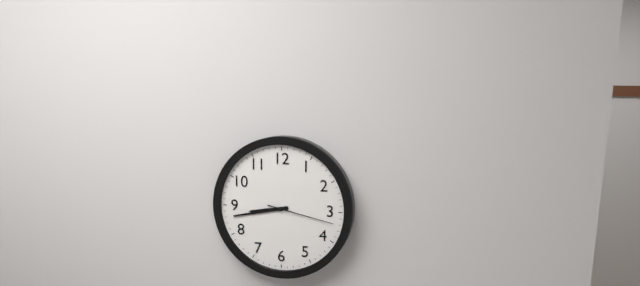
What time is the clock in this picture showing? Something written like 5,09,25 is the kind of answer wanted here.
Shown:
8,43,17
